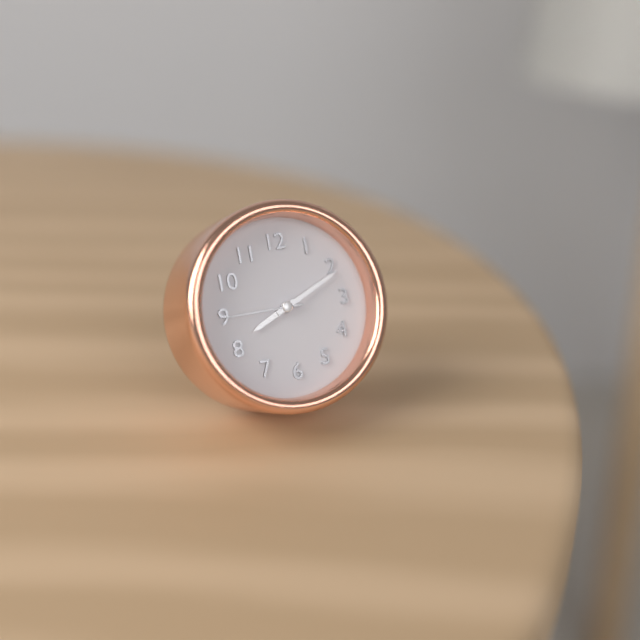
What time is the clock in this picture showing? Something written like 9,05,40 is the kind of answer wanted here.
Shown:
8,11,45
